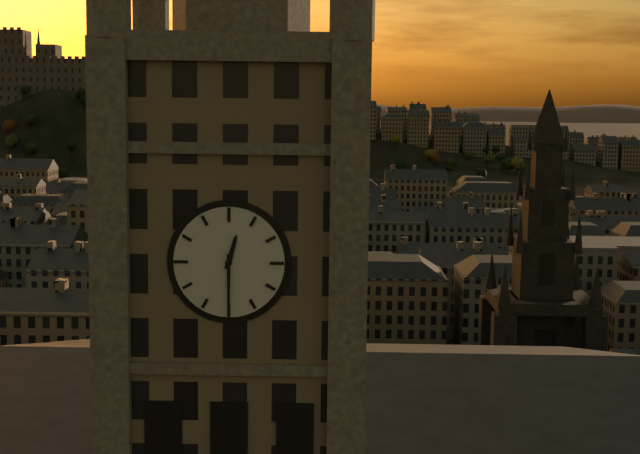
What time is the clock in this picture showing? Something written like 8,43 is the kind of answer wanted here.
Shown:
12,30
